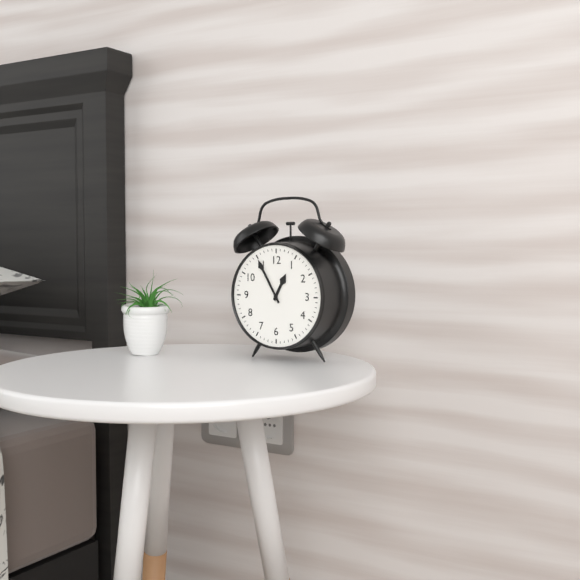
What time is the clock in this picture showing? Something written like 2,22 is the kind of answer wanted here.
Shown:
12,55
